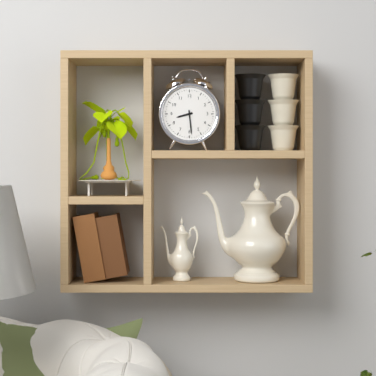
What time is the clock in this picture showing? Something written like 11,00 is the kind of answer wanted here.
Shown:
8,29
